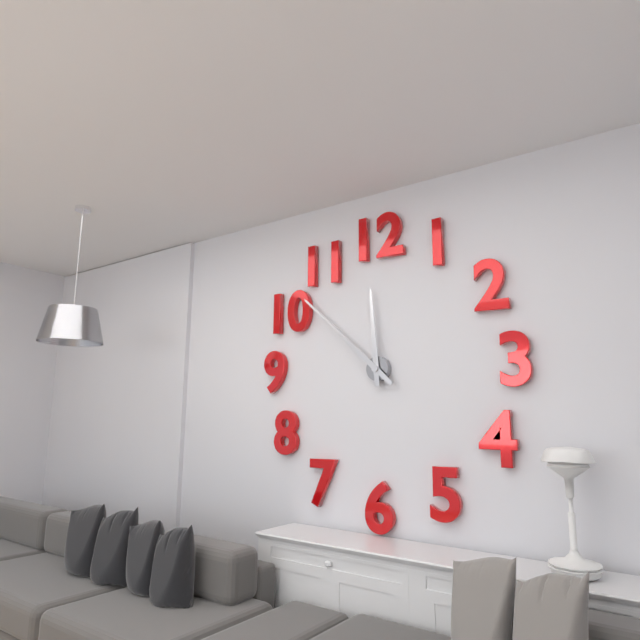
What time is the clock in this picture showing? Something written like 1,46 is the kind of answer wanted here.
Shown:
11,52
